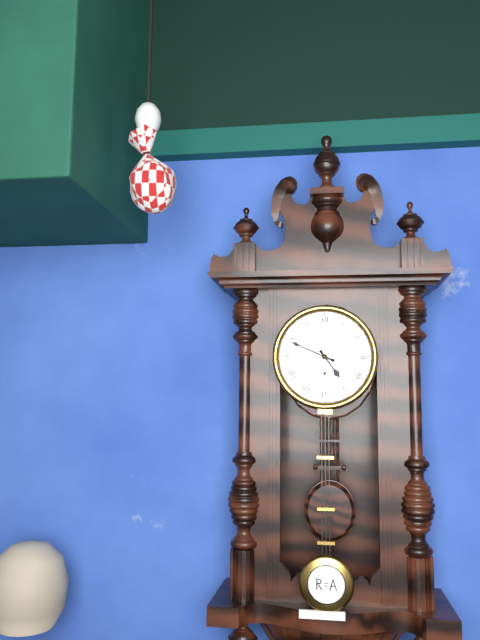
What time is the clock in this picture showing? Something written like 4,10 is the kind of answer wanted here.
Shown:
4,49
